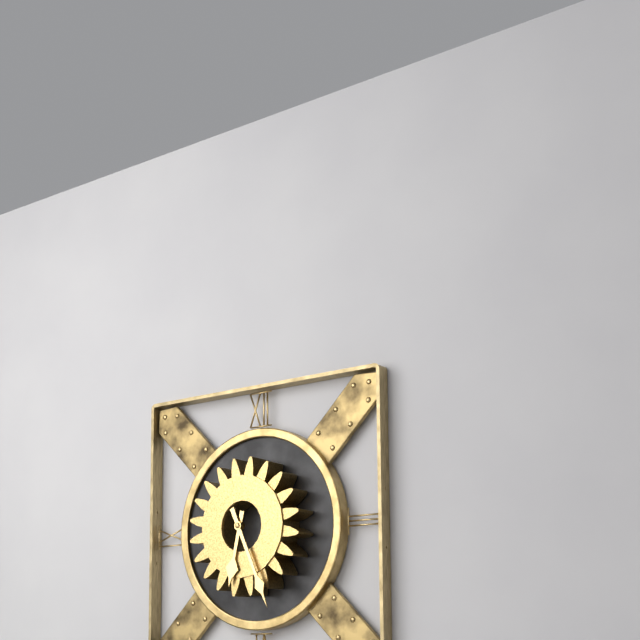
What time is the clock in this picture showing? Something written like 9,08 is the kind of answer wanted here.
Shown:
6,26
